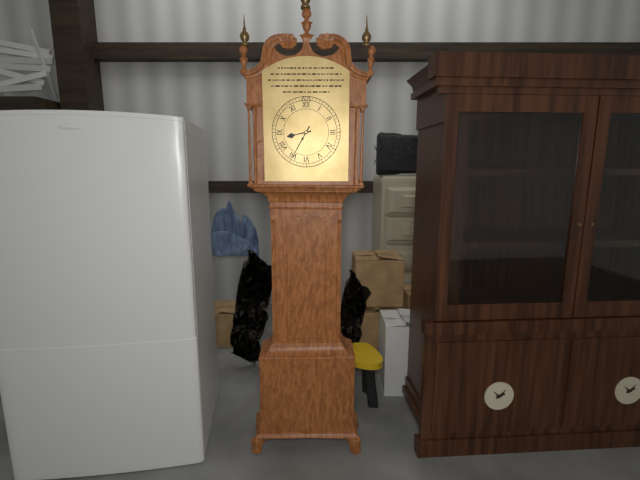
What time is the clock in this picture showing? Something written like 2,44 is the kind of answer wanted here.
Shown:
8,35
